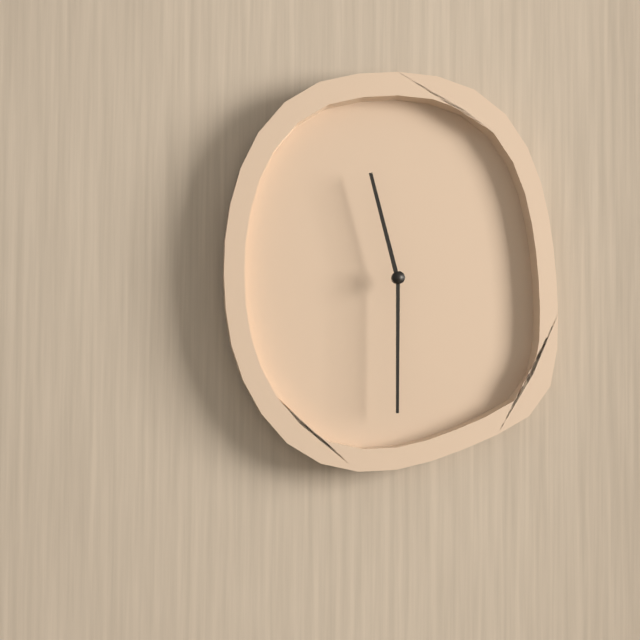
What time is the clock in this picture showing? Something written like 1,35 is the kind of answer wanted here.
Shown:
11,30
